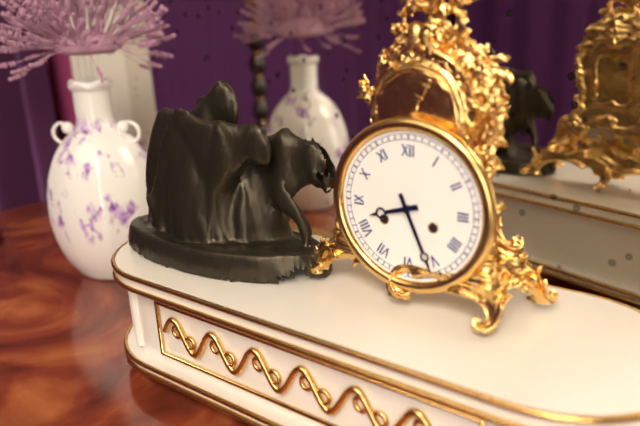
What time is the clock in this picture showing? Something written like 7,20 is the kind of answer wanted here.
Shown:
8,26
